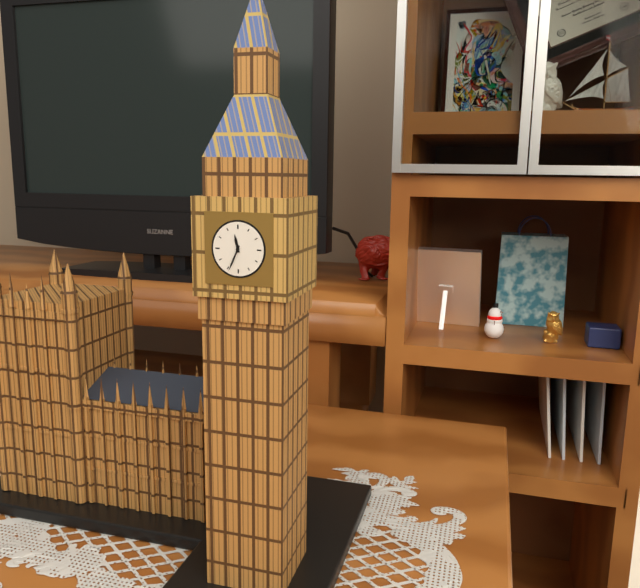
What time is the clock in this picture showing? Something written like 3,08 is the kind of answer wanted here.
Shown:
11,34
